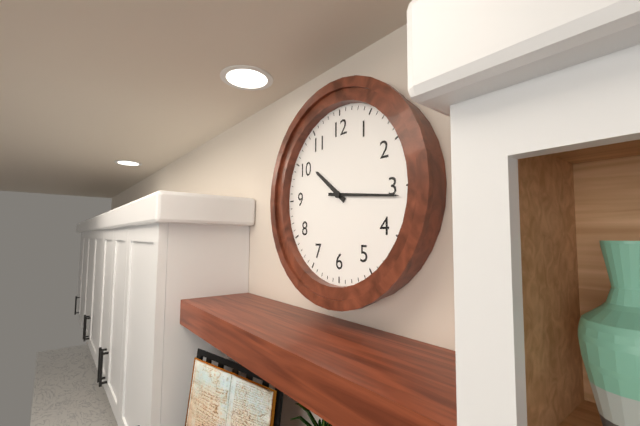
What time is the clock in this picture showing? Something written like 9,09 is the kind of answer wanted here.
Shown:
10,16
